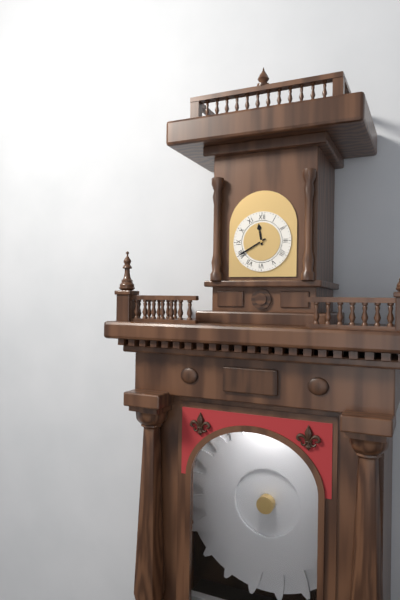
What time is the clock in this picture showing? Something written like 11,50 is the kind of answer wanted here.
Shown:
11,40
